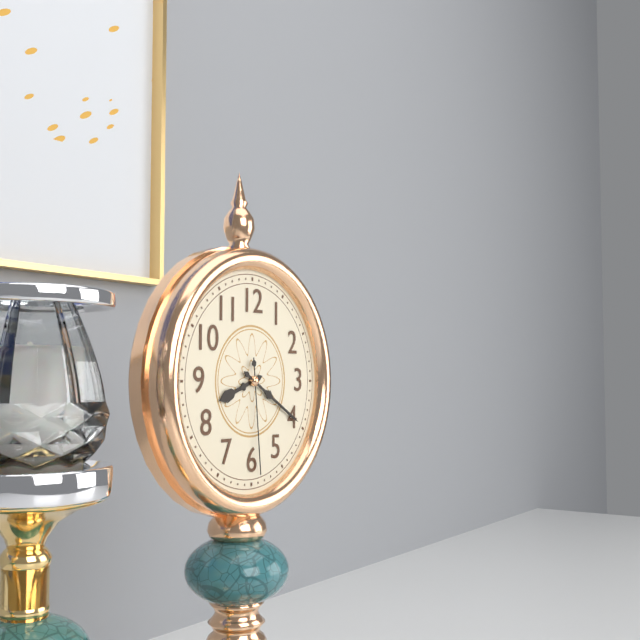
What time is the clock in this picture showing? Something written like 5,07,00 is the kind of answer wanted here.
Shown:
8,20,29
